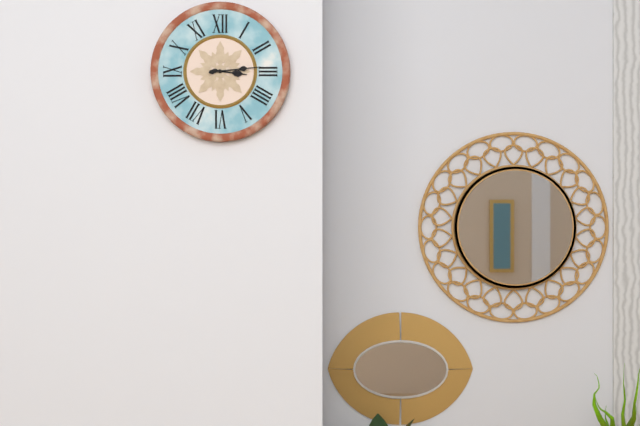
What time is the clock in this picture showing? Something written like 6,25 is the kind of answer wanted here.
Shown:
3,14
